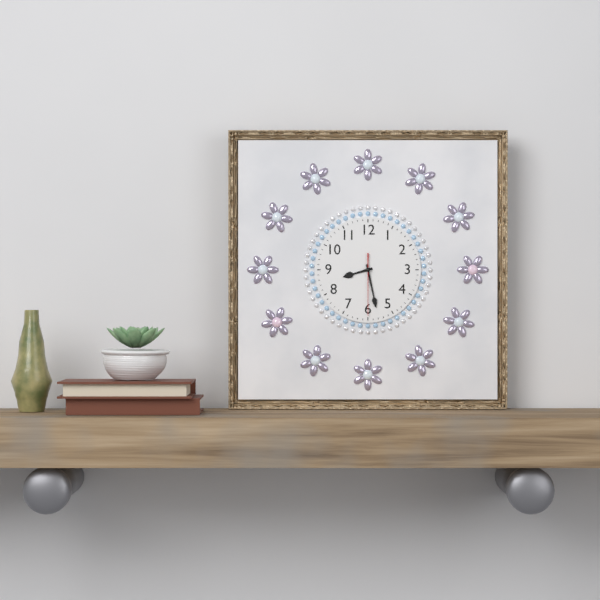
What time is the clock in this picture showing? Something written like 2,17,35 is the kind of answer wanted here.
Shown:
8,28,30
